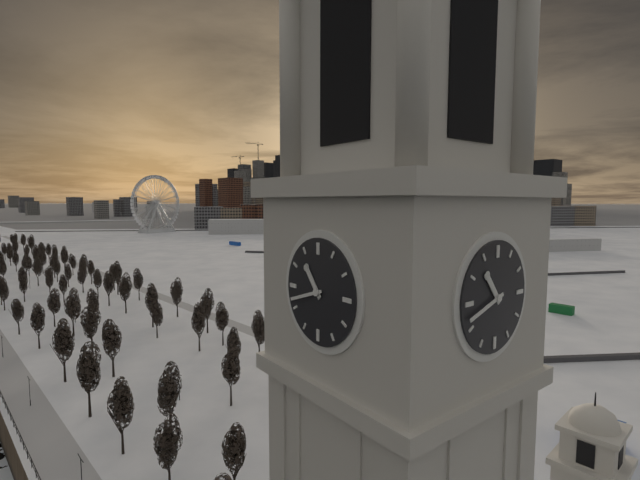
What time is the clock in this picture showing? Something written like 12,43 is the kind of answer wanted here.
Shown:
10,42
